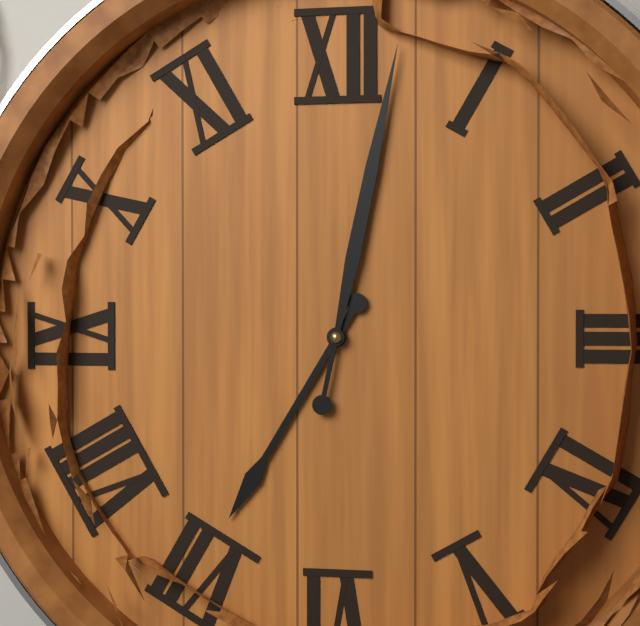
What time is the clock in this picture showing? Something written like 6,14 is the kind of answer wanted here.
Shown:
7,02
